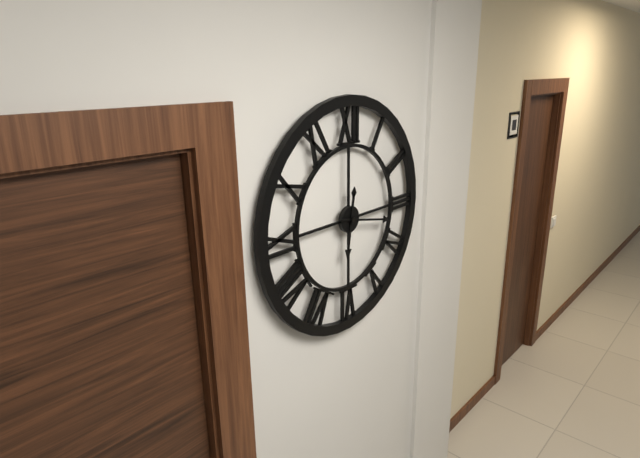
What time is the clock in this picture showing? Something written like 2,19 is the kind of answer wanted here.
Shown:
6,17
